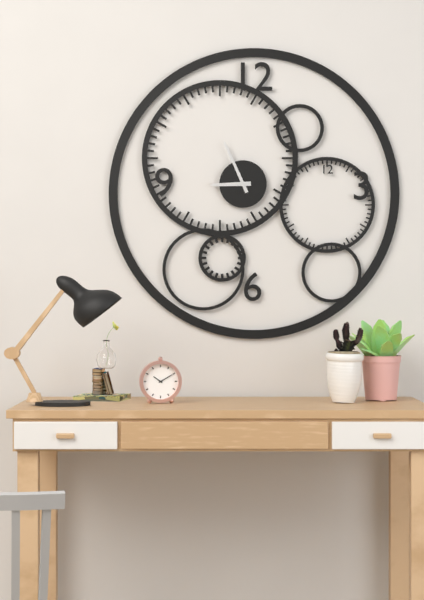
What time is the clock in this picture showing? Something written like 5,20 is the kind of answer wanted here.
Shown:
8,56
